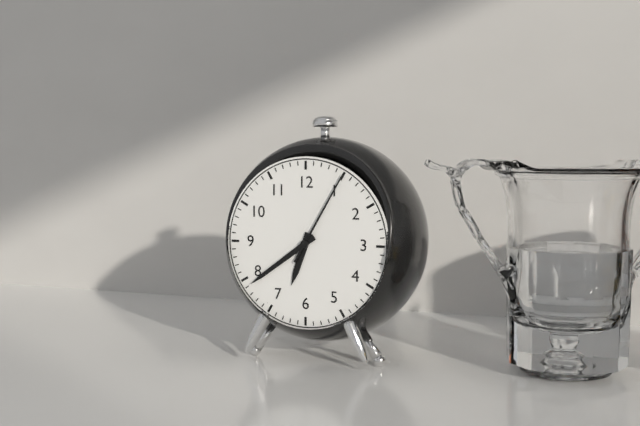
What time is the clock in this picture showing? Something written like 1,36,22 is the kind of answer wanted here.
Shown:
6,39,05
